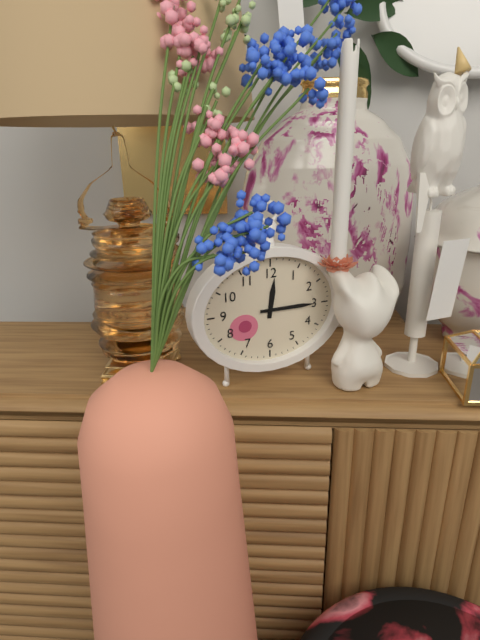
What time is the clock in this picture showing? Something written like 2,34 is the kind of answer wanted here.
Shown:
12,15
